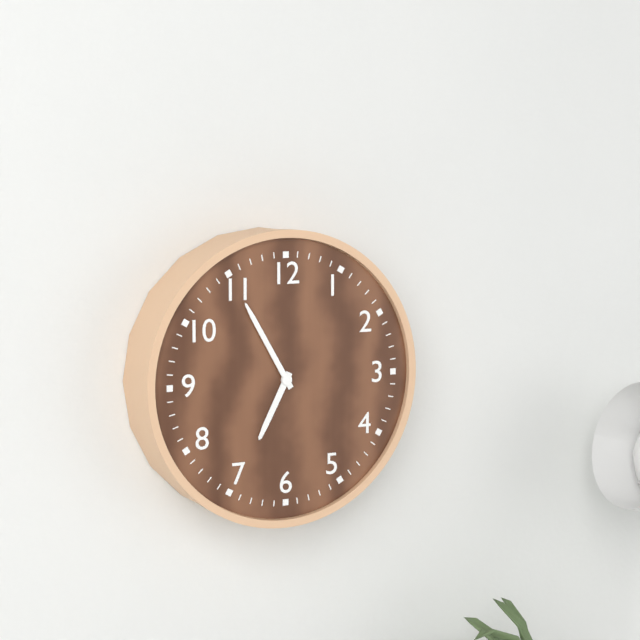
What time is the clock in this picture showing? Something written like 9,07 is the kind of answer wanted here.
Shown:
6,55
